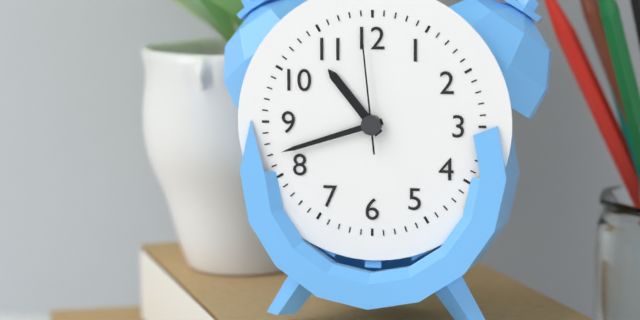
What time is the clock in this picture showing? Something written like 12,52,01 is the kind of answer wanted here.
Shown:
10,42,59
